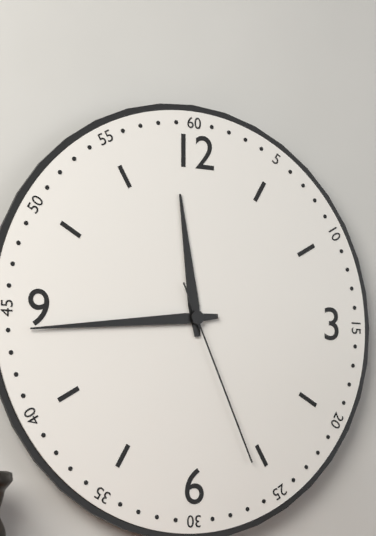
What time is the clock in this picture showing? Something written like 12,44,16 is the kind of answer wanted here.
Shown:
11,44,26
